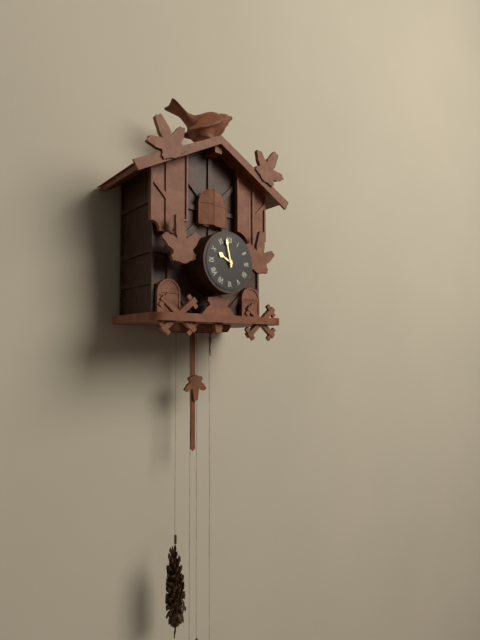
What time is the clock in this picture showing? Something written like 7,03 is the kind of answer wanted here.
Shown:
9,58
